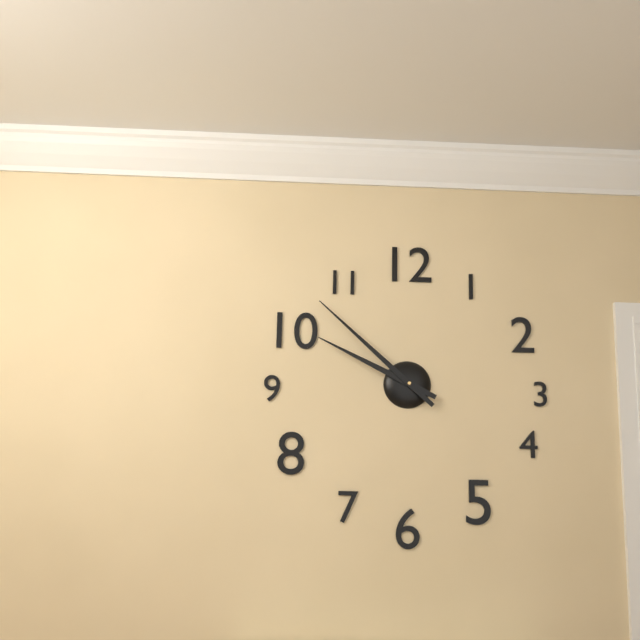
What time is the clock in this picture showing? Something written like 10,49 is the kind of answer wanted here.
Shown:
9,52
